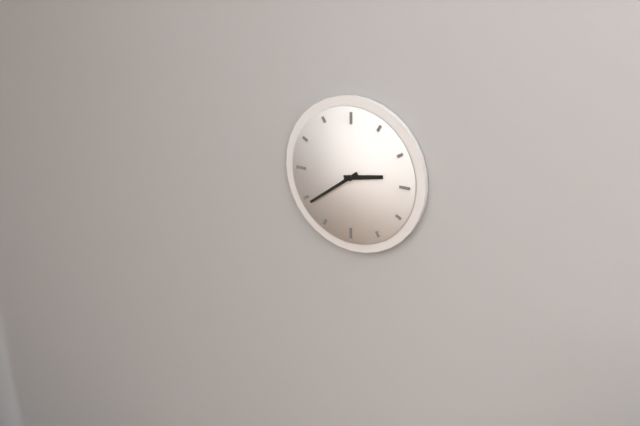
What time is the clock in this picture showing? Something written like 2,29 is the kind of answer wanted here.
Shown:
2,39
